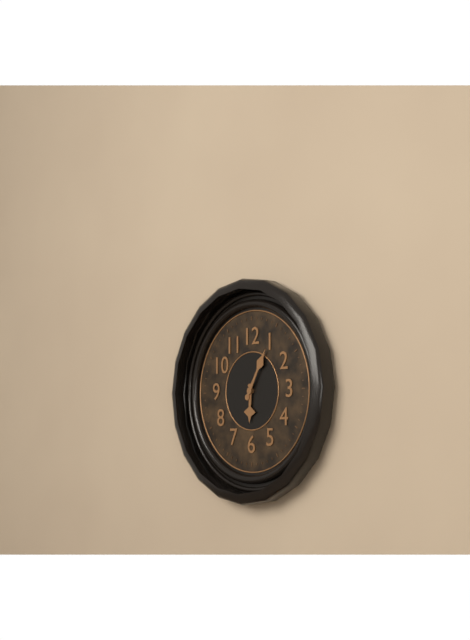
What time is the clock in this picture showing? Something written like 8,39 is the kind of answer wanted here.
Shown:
6,05
